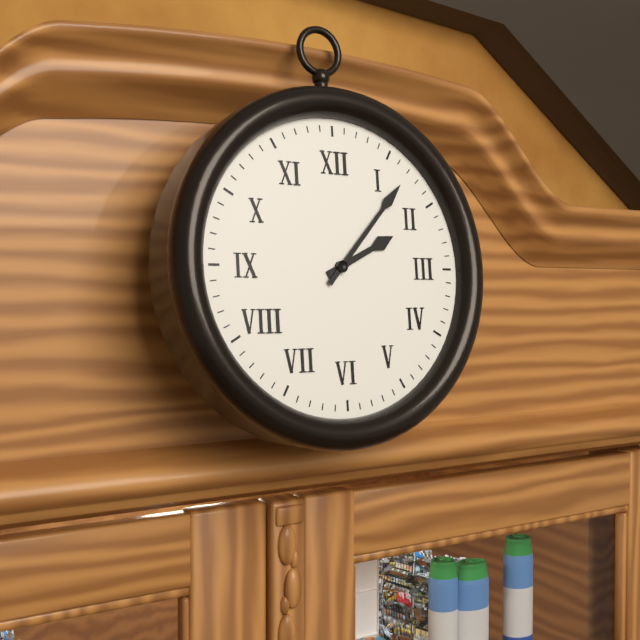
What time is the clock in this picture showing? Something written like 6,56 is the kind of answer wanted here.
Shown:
2,07
